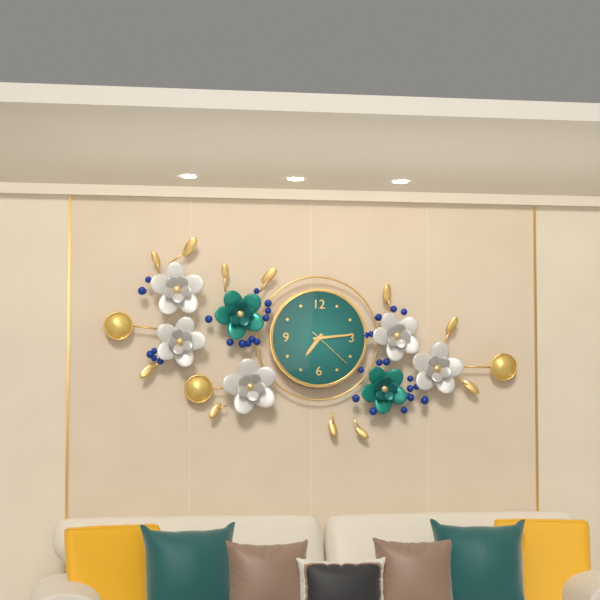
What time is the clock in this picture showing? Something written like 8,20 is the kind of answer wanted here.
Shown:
7,14
